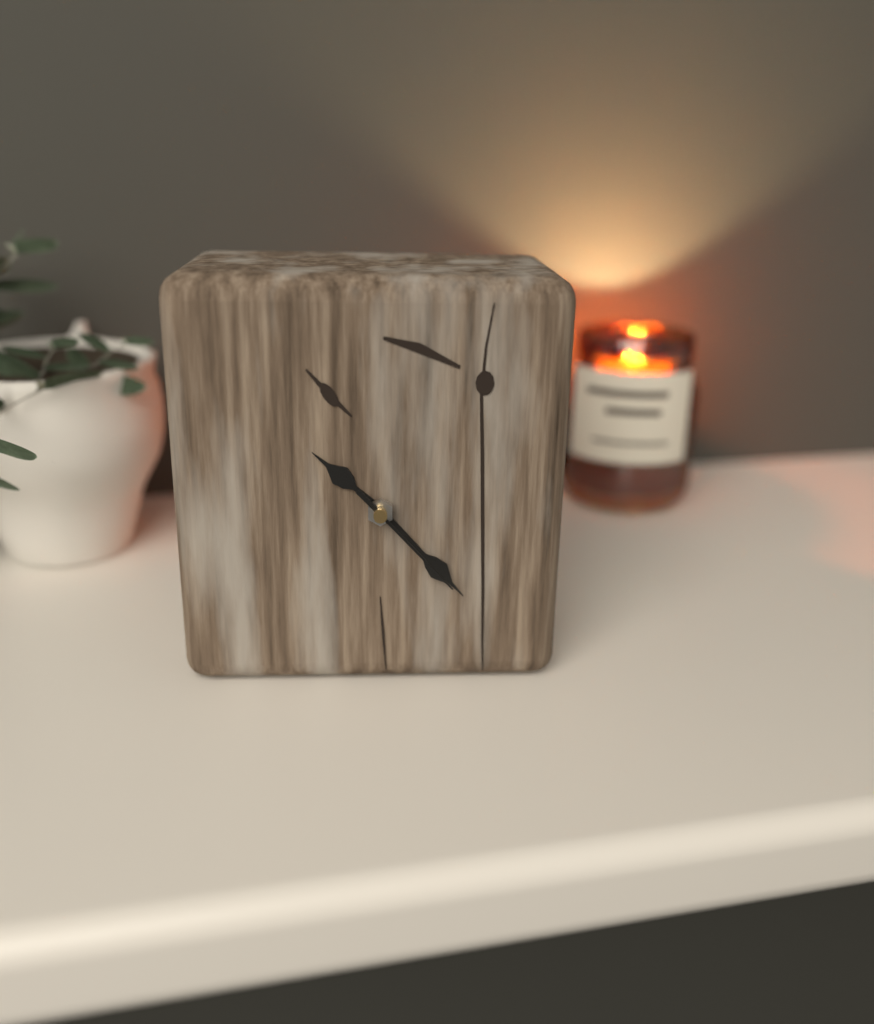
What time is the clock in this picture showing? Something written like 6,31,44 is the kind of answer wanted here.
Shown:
10,23,23
